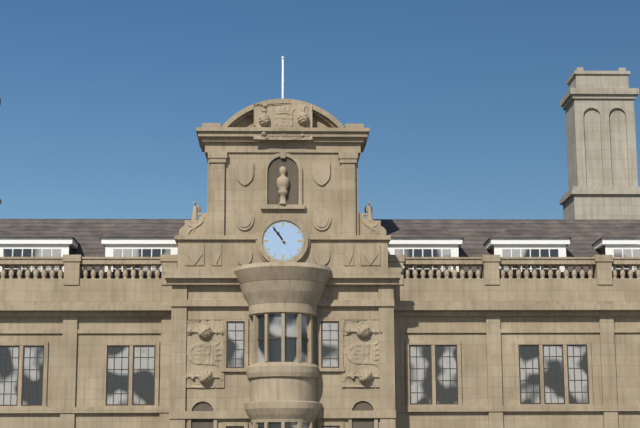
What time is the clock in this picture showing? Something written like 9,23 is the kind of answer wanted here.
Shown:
10,54
